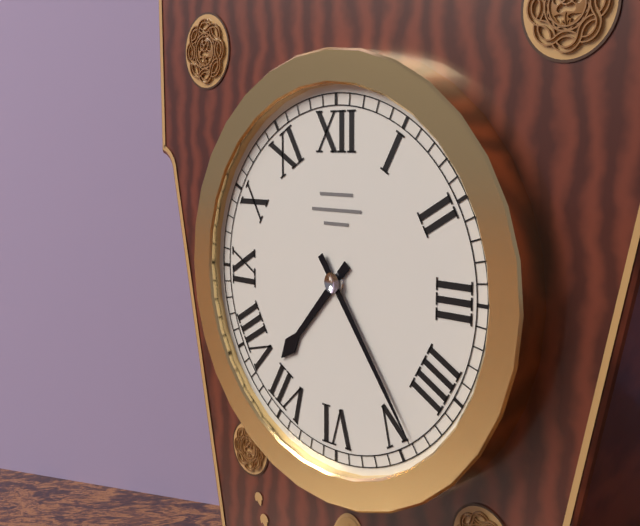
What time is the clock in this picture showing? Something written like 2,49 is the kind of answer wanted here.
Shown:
7,24
